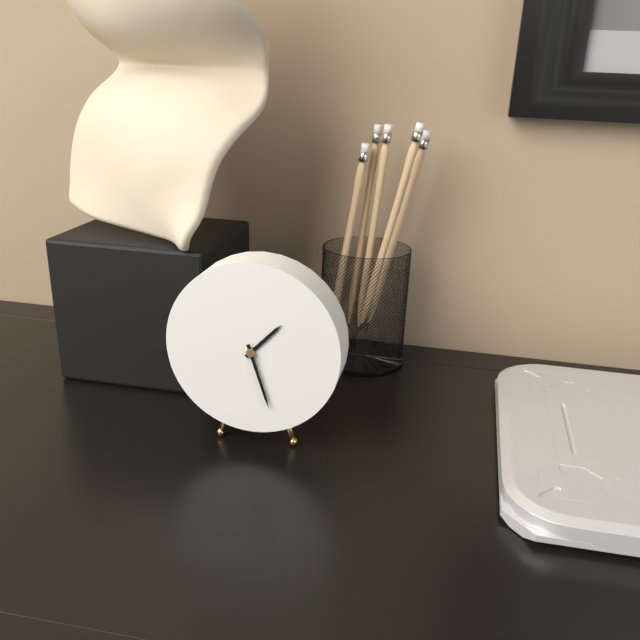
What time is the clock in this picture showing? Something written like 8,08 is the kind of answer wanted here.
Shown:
1,27
